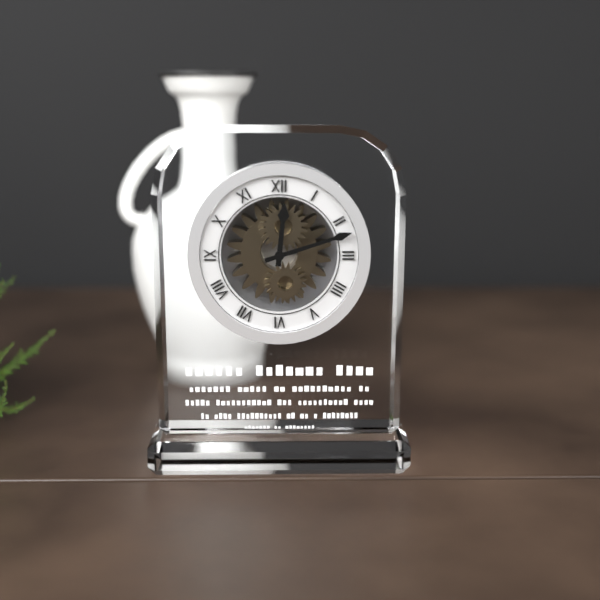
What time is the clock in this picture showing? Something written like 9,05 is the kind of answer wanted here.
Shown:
12,12
